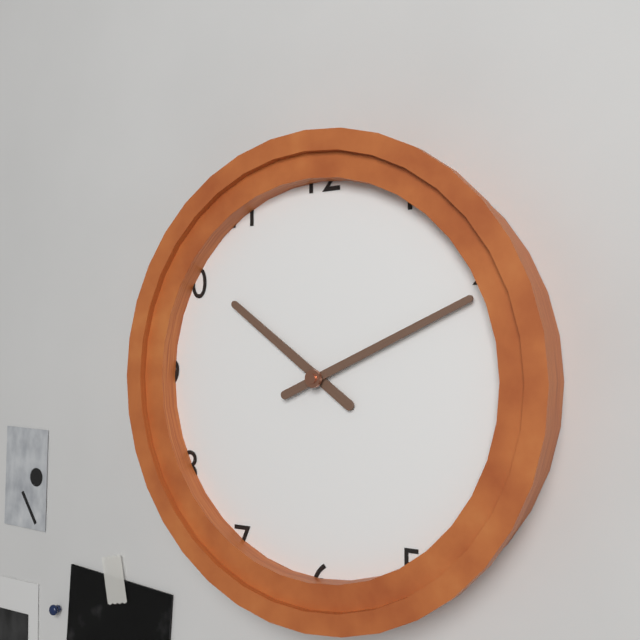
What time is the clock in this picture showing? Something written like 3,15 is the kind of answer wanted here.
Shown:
10,11
